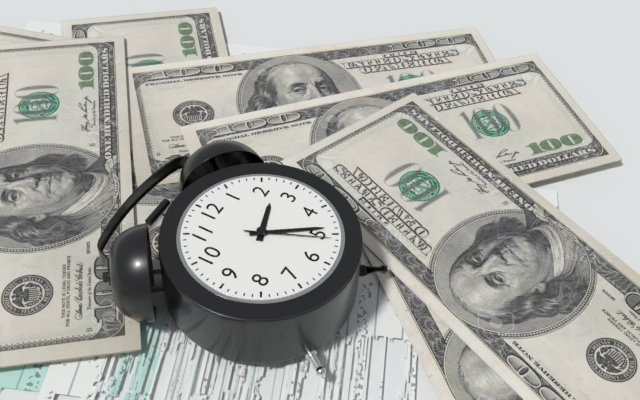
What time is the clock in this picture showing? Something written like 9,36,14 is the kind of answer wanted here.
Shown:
2,24,26
